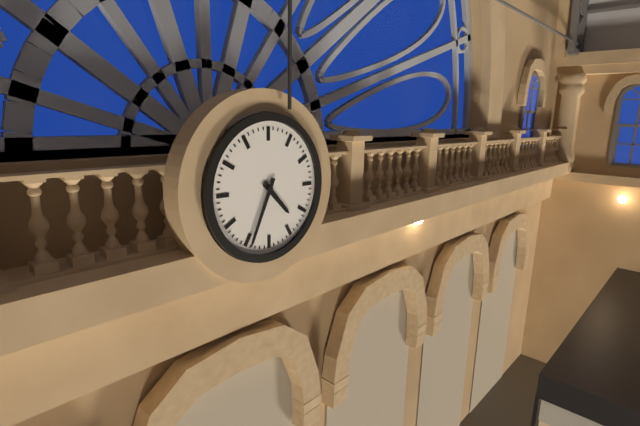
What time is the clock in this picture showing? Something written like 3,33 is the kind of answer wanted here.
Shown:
4,34
